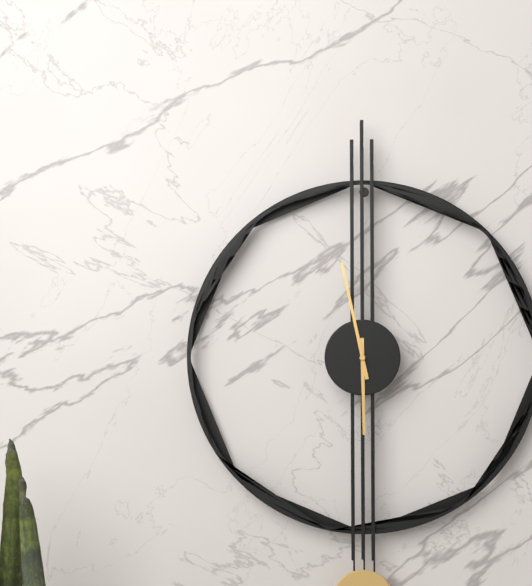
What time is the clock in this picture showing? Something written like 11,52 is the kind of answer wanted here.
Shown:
5,58
